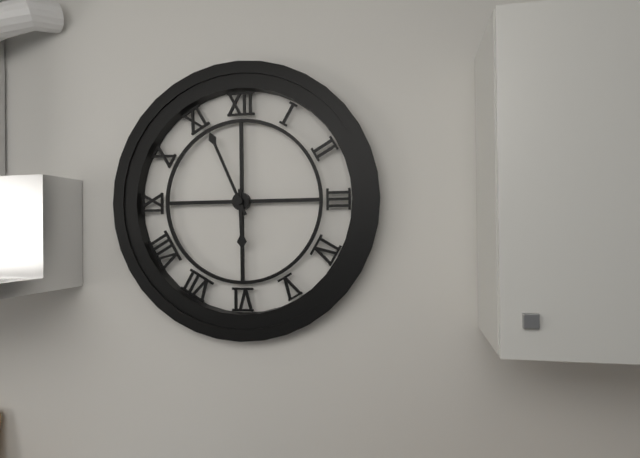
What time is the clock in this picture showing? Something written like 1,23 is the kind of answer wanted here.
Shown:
5,56
